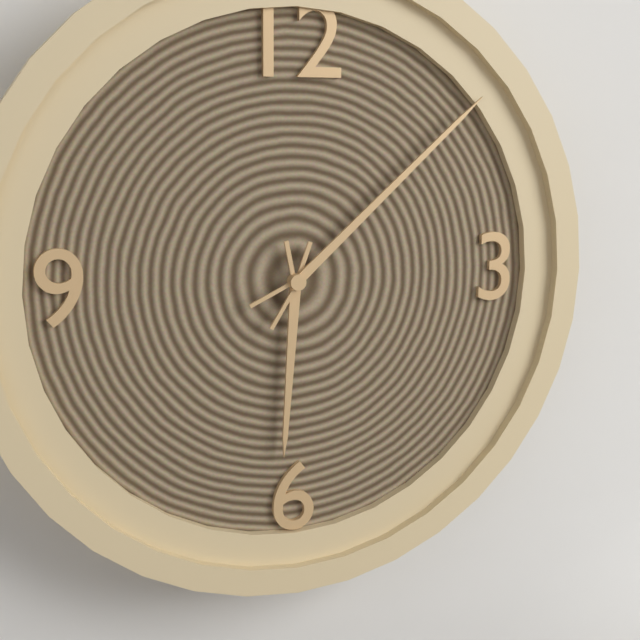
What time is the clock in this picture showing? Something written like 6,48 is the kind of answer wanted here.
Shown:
6,08
